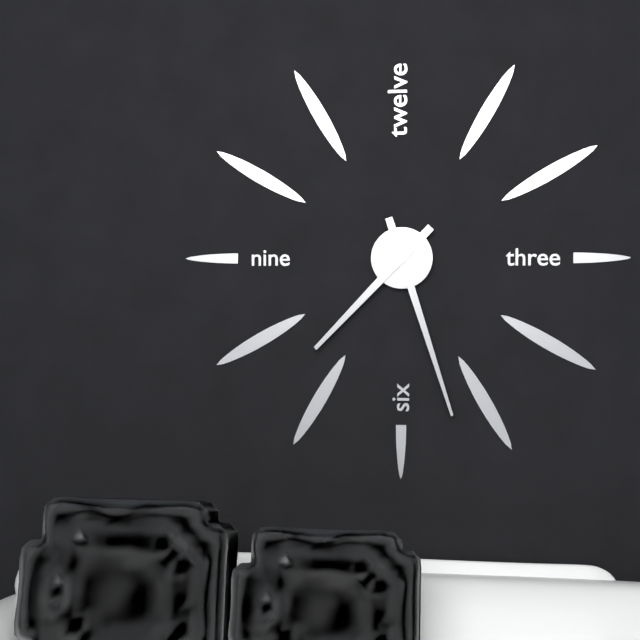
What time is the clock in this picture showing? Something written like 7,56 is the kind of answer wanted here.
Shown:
7,27
